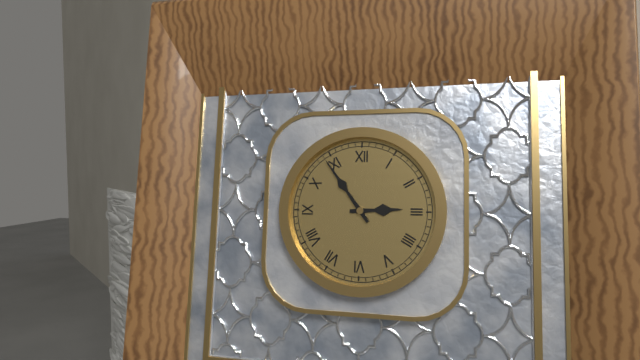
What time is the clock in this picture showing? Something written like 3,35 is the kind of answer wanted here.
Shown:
2,54
